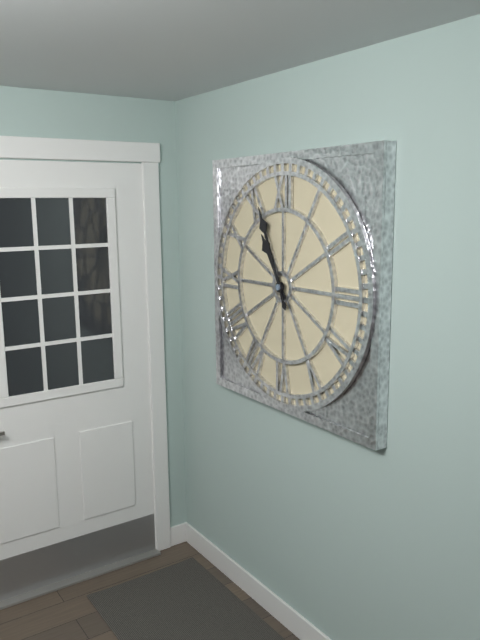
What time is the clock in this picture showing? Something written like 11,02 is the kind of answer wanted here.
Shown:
10,56
